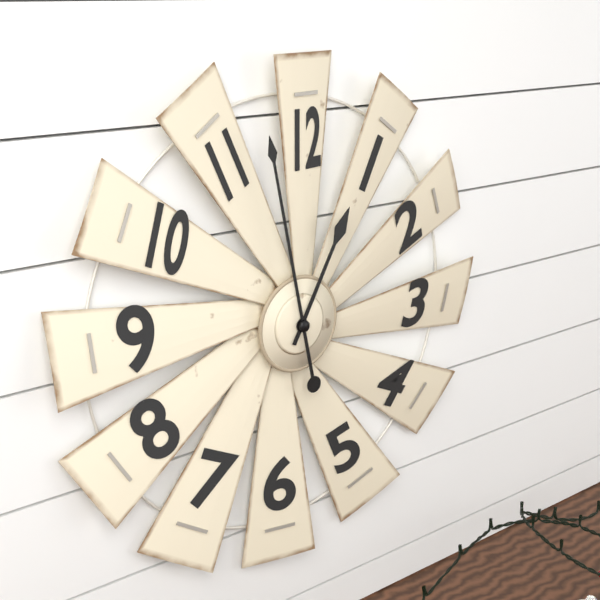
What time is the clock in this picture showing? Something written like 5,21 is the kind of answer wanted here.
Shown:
12,58
